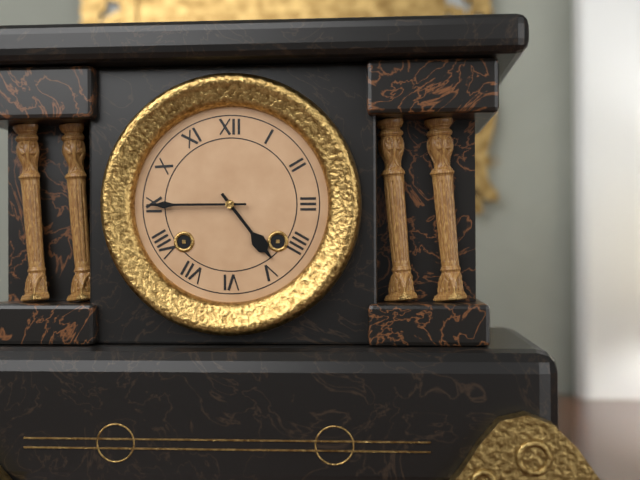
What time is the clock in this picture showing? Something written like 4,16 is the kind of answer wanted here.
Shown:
4,45
